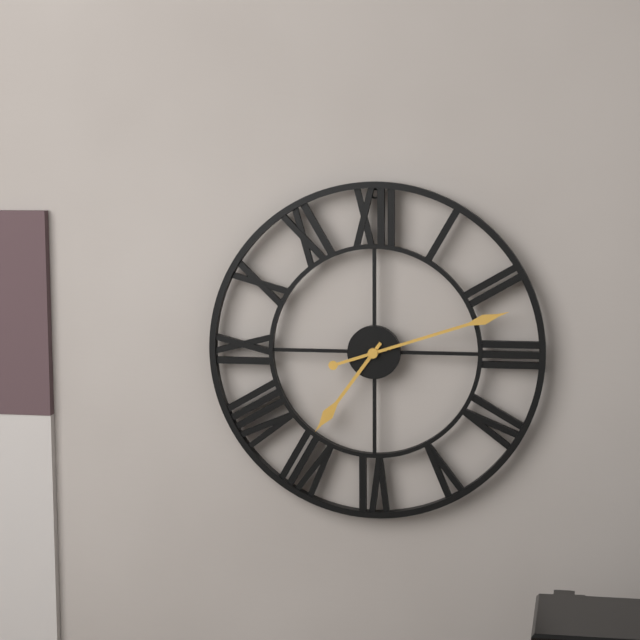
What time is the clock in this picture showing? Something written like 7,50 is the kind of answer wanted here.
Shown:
7,12
